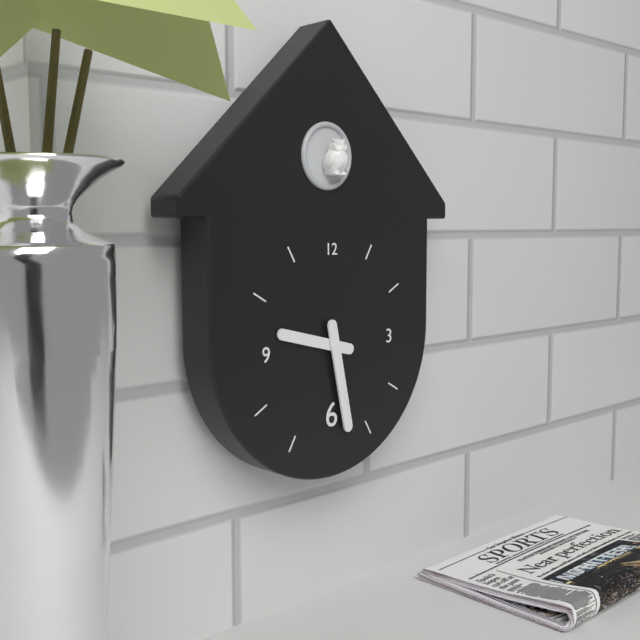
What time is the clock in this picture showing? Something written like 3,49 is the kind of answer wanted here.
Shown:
9,28
